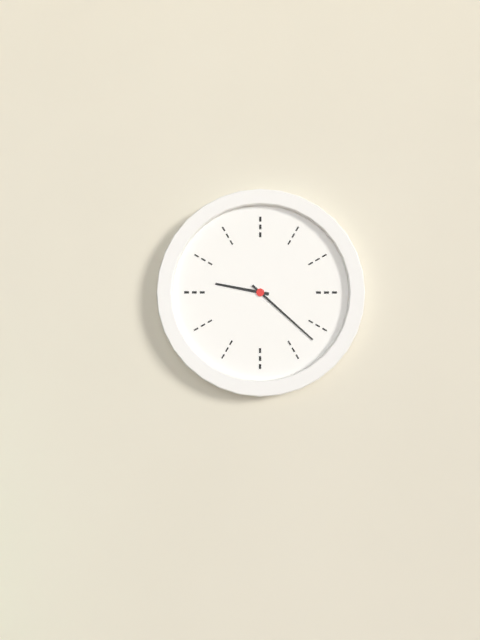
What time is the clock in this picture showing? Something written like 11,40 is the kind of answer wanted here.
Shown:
9,22
